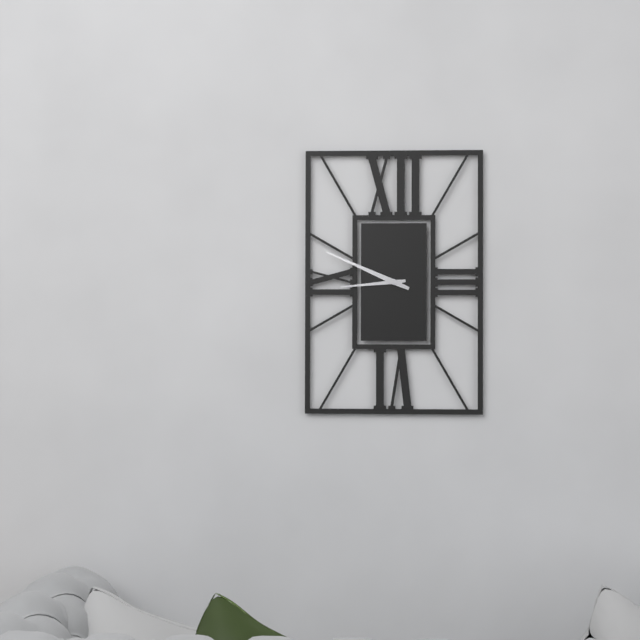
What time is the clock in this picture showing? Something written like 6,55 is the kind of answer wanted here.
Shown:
8,49
